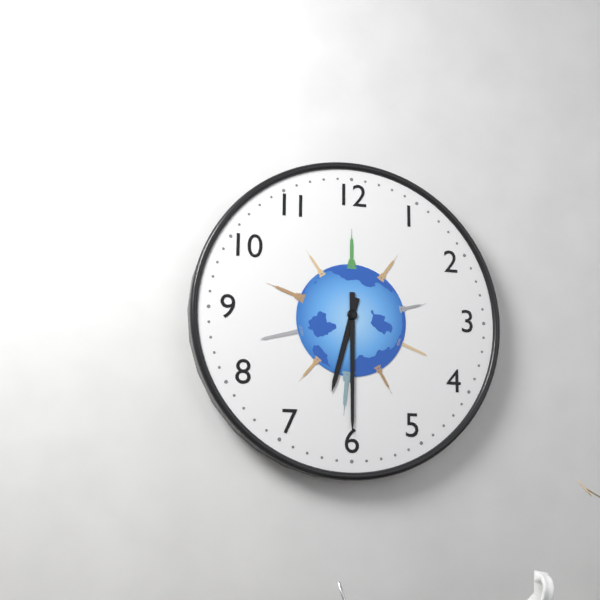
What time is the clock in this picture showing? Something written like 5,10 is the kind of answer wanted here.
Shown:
6,30
